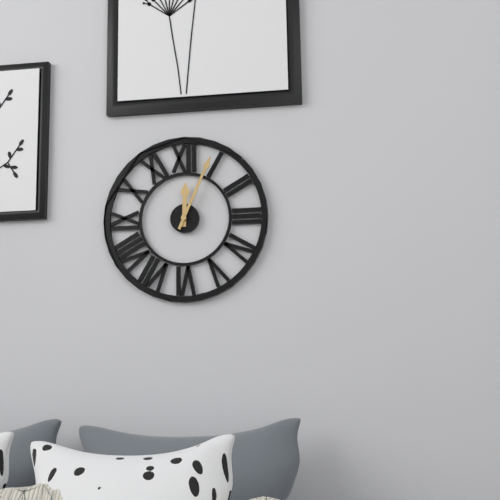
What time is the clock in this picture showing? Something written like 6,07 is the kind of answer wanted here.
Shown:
12,04
